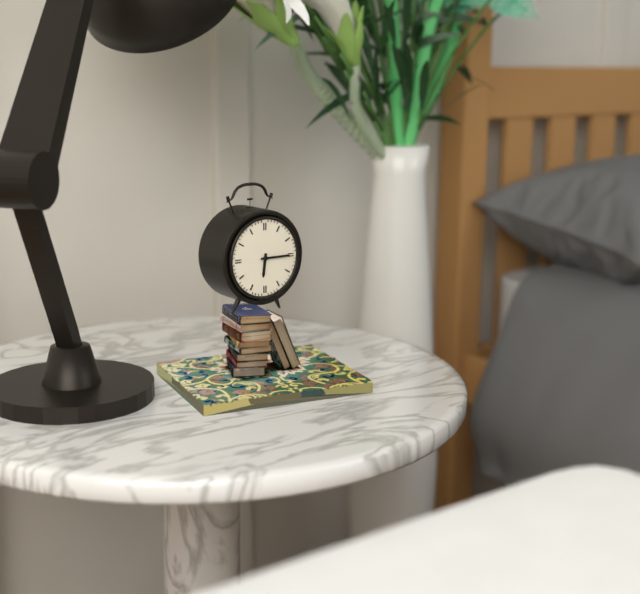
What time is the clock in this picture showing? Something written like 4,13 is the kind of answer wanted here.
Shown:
6,15
